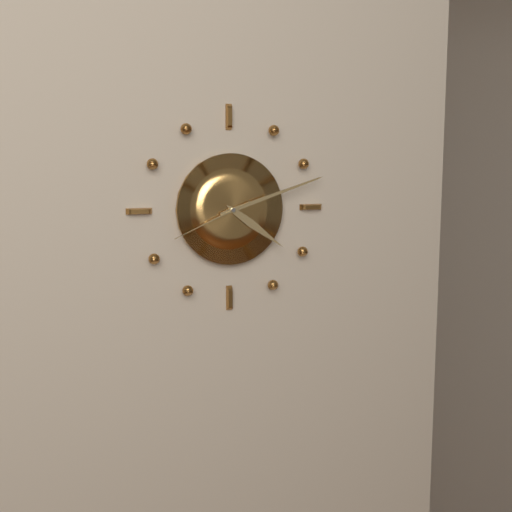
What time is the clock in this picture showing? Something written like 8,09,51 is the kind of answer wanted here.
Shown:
4,12,41
